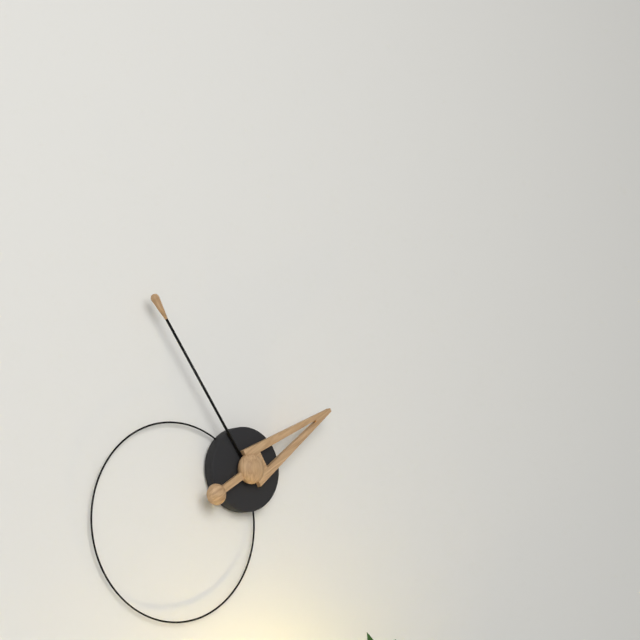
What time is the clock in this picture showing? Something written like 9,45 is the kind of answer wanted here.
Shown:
1,54
